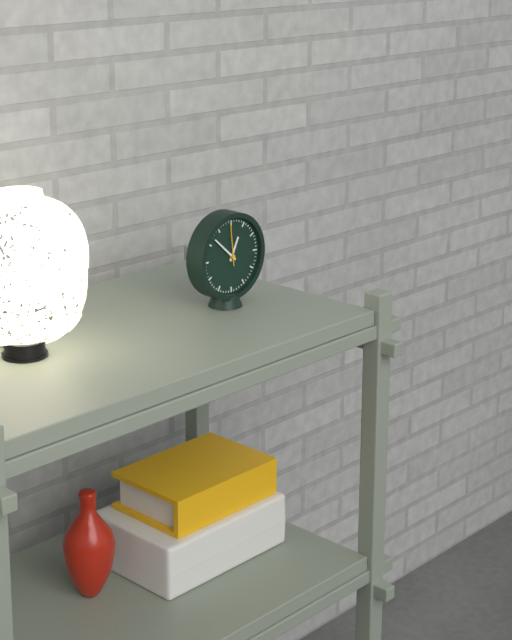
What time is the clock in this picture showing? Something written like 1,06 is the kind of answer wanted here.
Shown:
12,52
